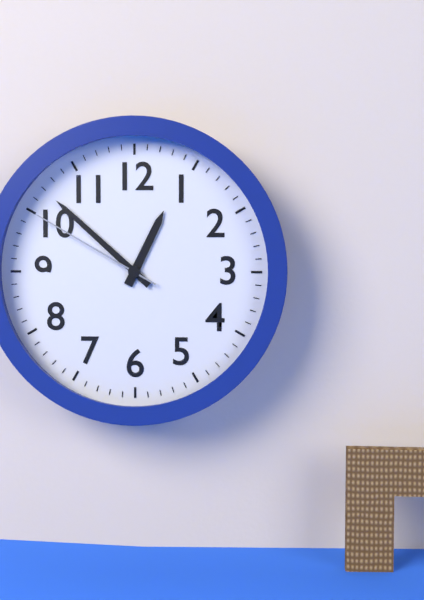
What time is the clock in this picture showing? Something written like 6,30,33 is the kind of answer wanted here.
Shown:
12,52,50
